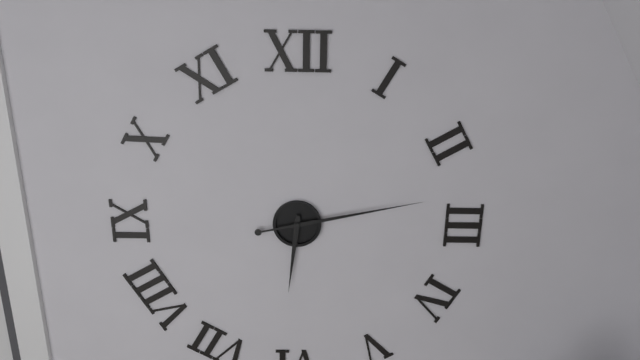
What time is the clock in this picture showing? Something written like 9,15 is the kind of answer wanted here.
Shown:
6,13
